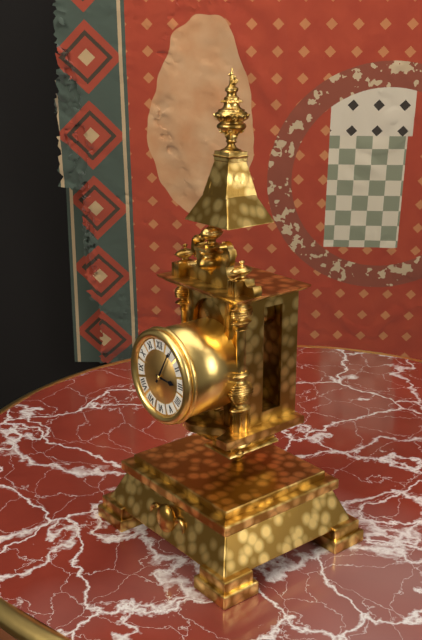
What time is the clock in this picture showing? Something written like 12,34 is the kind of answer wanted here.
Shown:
3,05
